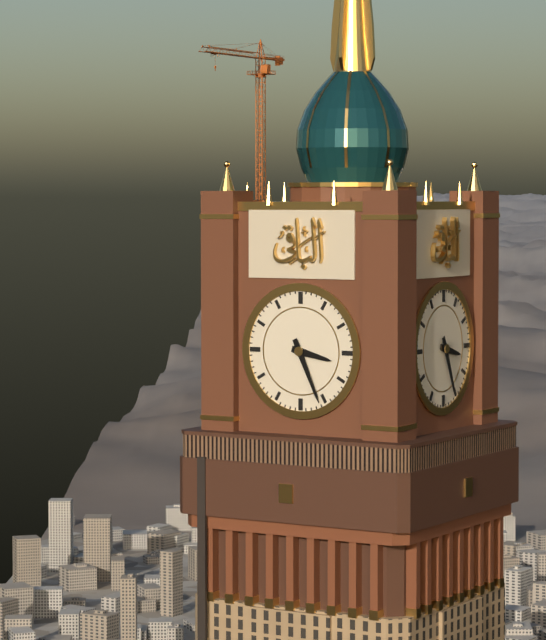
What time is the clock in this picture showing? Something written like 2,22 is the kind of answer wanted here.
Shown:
3,26
